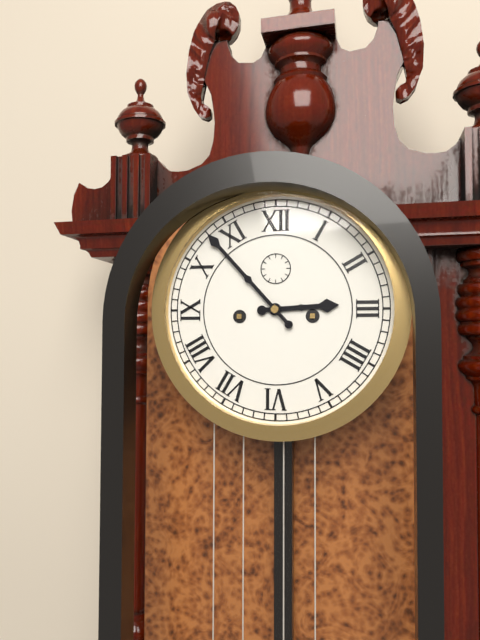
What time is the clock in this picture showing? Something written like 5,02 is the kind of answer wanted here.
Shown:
2,53
